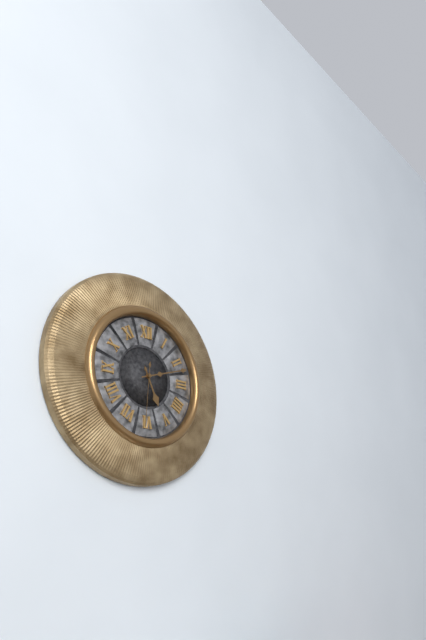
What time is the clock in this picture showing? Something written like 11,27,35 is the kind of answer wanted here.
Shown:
5,12,31
